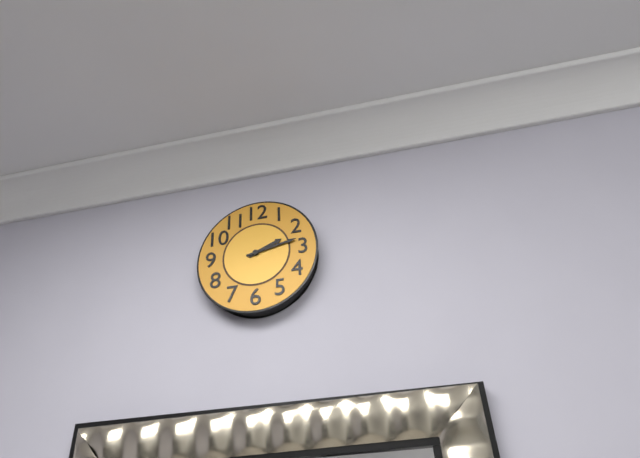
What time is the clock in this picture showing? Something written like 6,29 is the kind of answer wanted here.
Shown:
2,13
